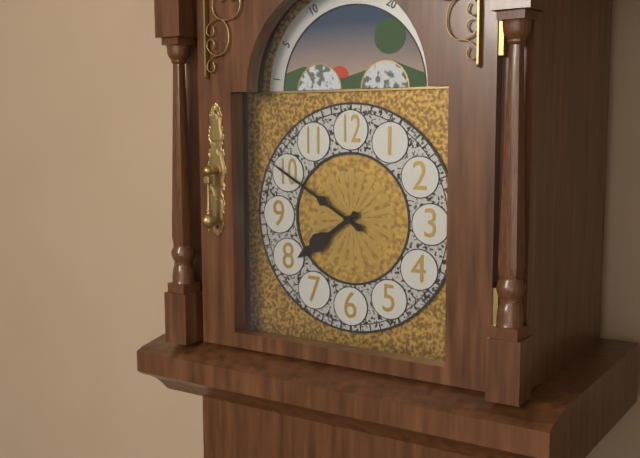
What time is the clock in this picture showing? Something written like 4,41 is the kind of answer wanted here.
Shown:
7,50
